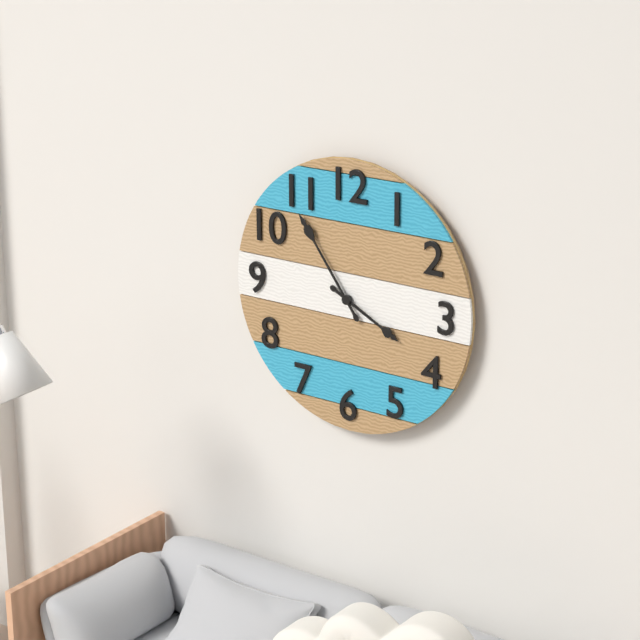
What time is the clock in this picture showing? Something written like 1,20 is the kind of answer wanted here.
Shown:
3,54
